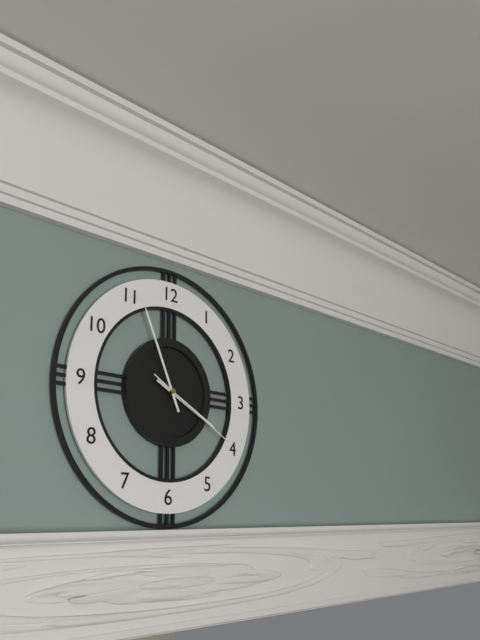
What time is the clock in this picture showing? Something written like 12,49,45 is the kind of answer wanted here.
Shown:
3,56,20
